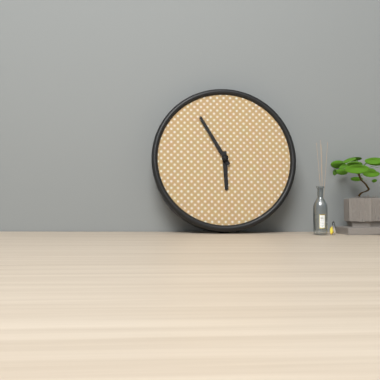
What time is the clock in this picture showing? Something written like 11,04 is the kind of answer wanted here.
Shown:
5,55
